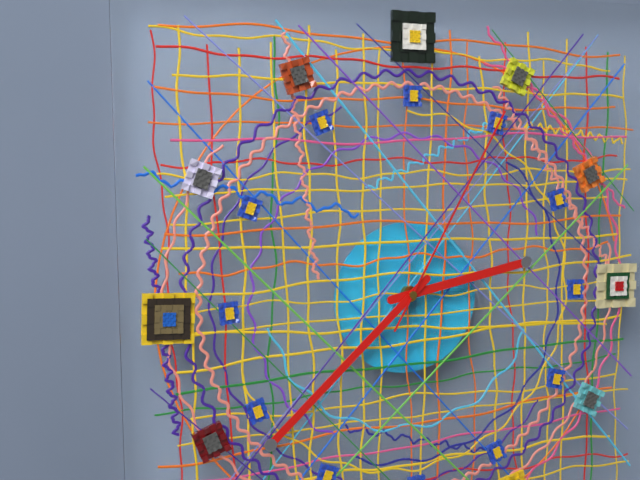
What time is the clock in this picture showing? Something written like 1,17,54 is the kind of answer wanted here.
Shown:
2,38,05
